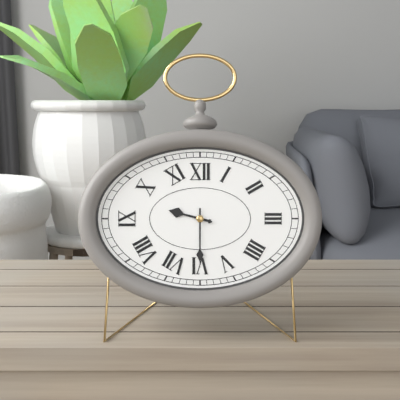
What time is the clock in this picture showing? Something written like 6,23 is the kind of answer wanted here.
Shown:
9,30
